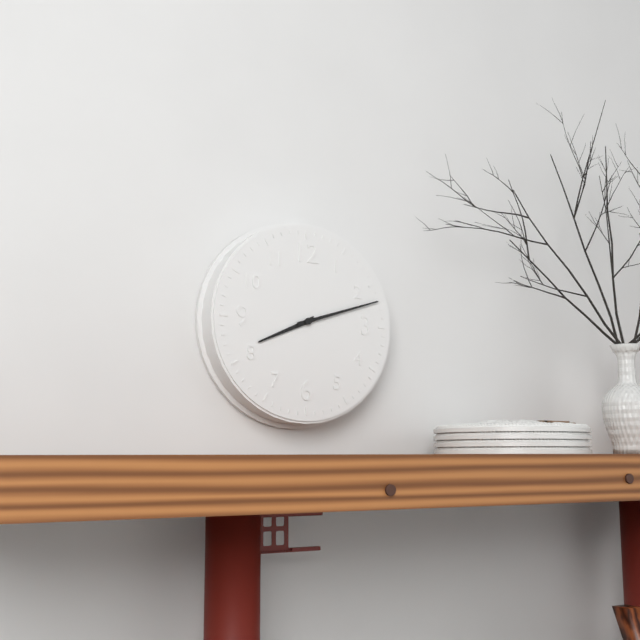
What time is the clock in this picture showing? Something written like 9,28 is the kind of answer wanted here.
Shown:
8,12
